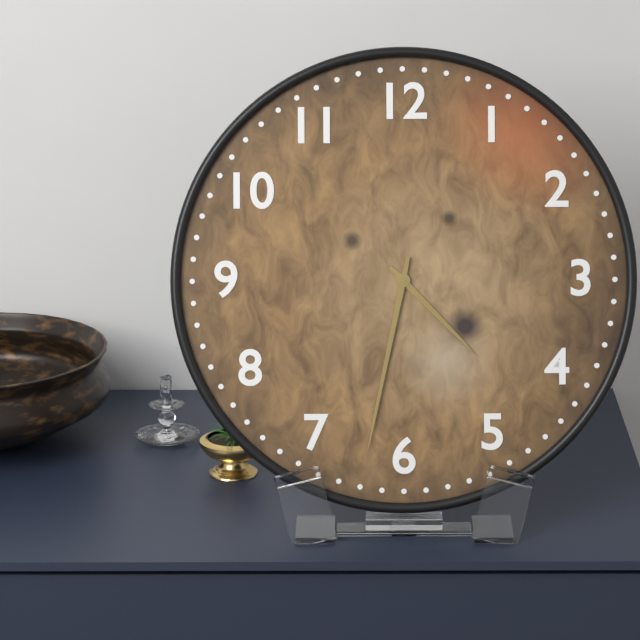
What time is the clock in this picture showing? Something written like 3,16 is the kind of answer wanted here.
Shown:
4,32
